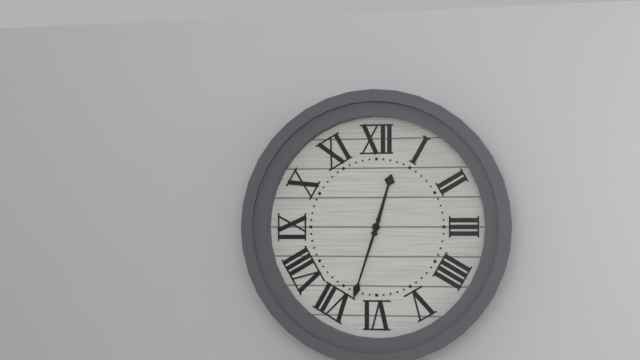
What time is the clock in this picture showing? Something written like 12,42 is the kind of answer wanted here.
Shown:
12,33
